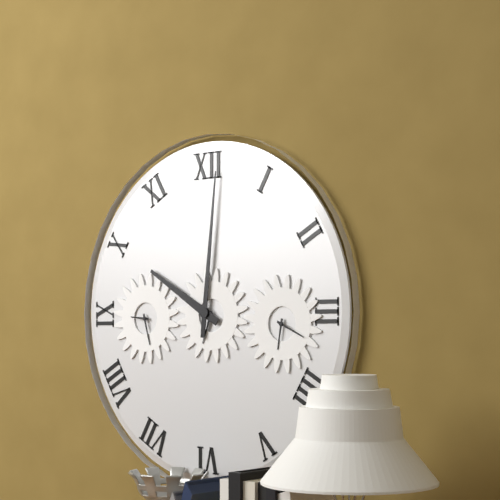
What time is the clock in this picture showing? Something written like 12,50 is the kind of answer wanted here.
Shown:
10,01
